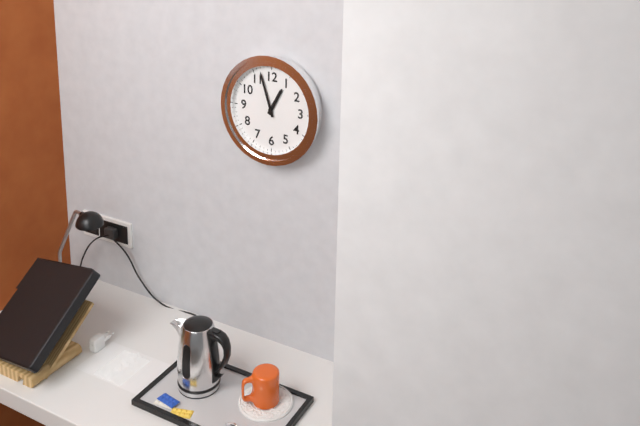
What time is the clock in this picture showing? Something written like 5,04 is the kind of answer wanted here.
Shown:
12,57
